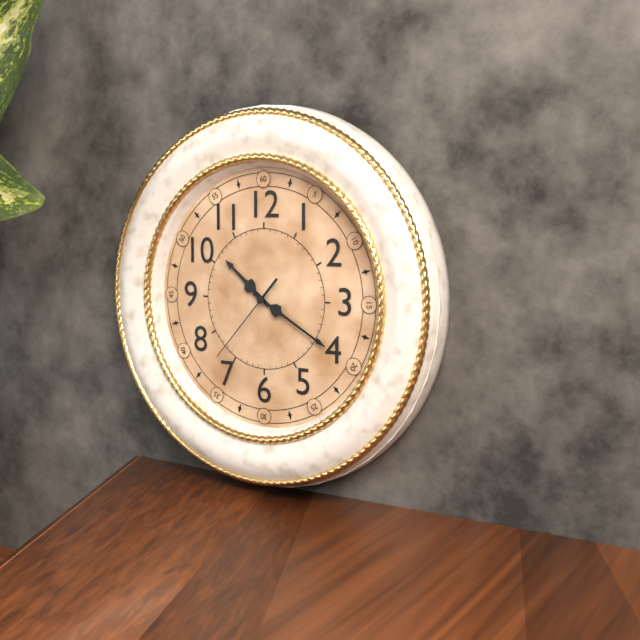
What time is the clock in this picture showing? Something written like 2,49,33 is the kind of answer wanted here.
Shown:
10,20,37
